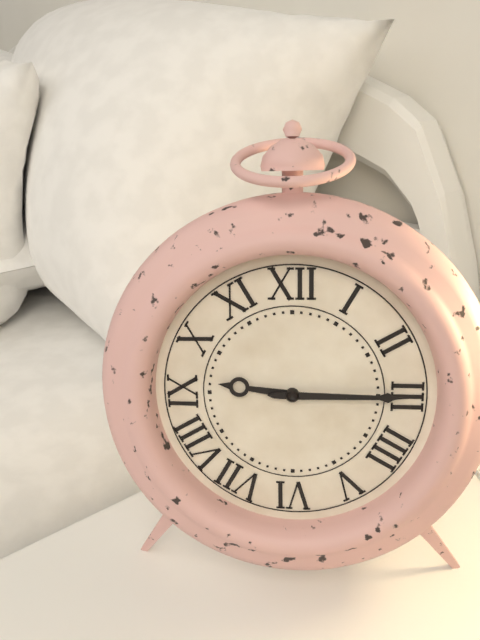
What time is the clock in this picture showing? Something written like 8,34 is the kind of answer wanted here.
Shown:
9,15
